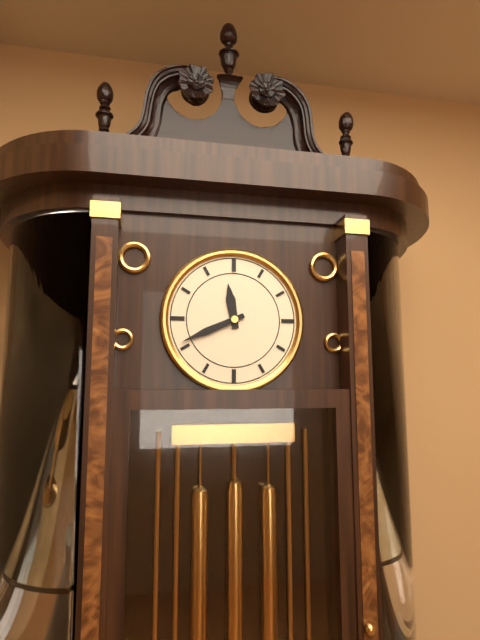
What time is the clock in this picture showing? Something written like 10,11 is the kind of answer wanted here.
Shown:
11,41
